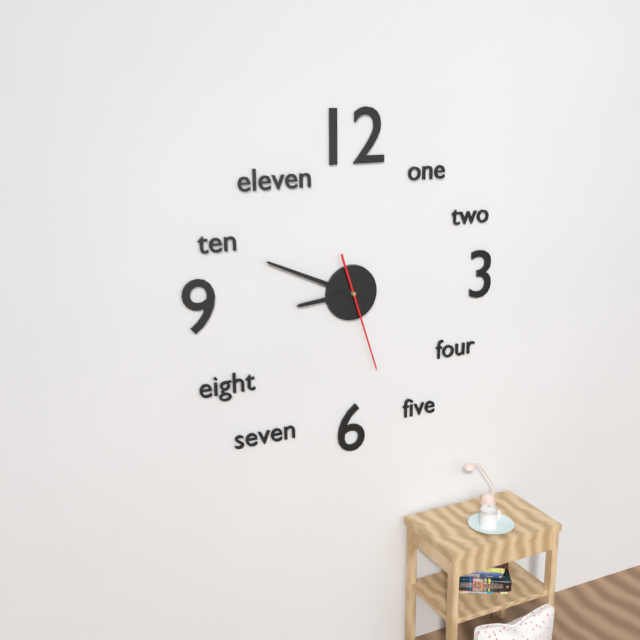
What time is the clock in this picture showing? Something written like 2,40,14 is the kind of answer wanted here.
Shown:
8,49,27
